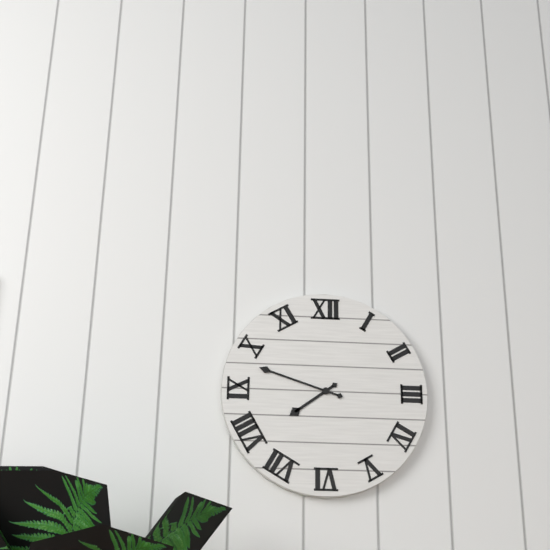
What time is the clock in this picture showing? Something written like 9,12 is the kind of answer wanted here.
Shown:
7,48
